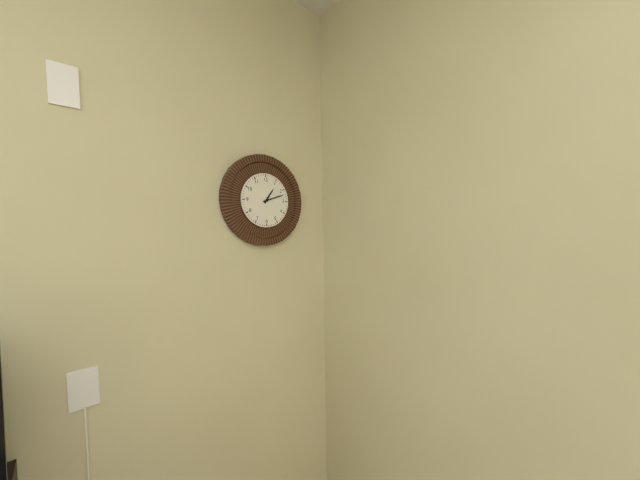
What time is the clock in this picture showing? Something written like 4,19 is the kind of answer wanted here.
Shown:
1,12
